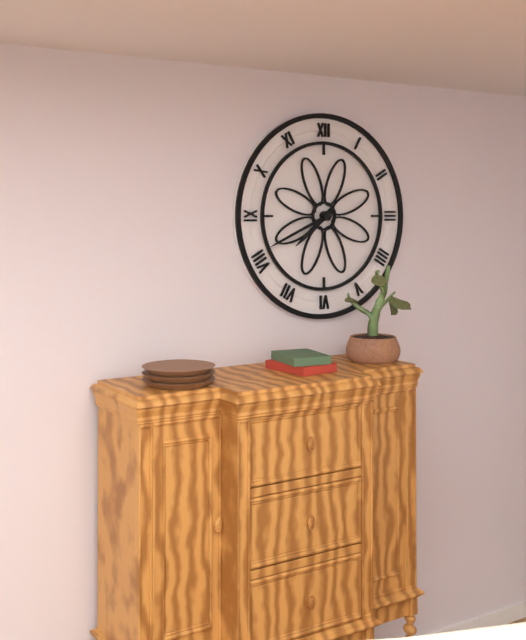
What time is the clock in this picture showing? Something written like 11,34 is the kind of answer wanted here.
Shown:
7,41
